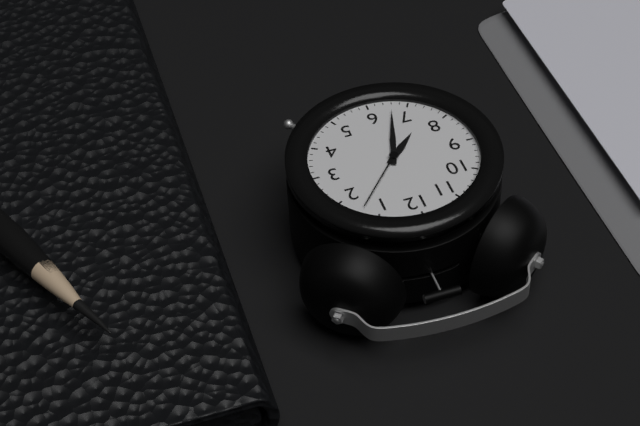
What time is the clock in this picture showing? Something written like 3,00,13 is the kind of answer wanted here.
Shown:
7,33,07
